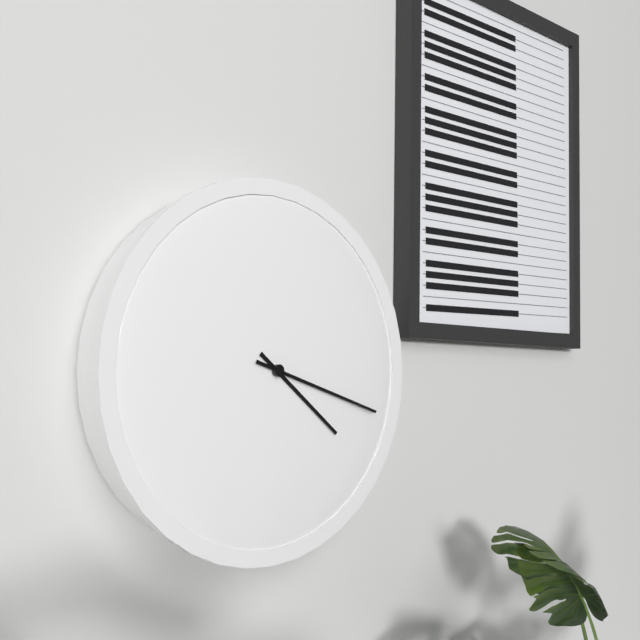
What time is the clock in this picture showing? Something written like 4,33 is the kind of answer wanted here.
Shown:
4,18
